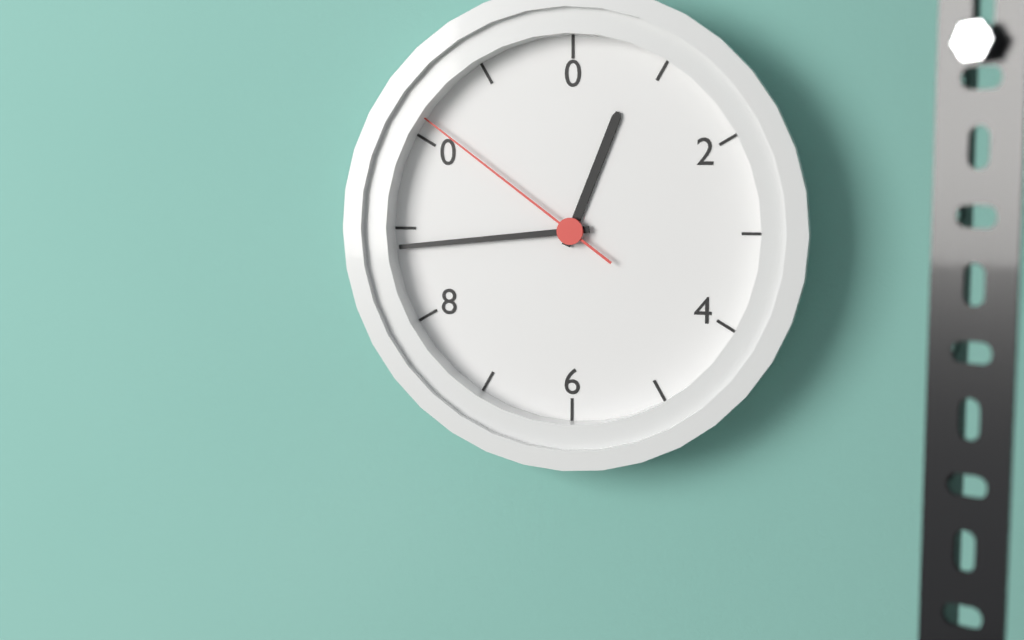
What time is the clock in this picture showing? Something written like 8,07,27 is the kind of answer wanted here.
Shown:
12,44,51
